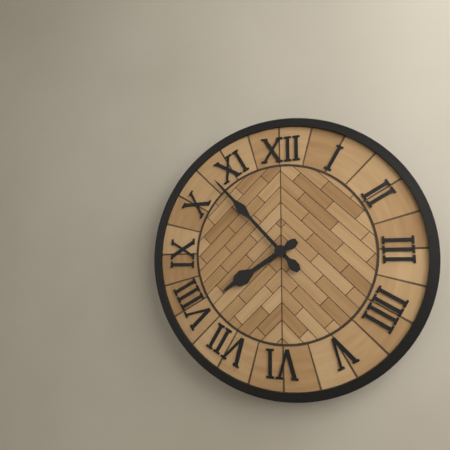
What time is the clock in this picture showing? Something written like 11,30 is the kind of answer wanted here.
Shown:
7,53
